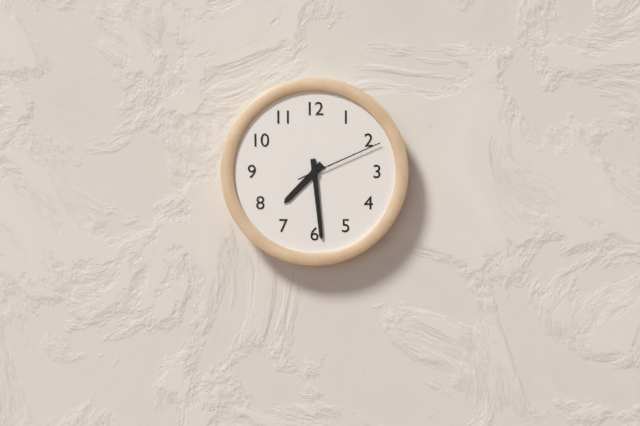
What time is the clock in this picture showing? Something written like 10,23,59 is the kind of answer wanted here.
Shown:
7,29,11
